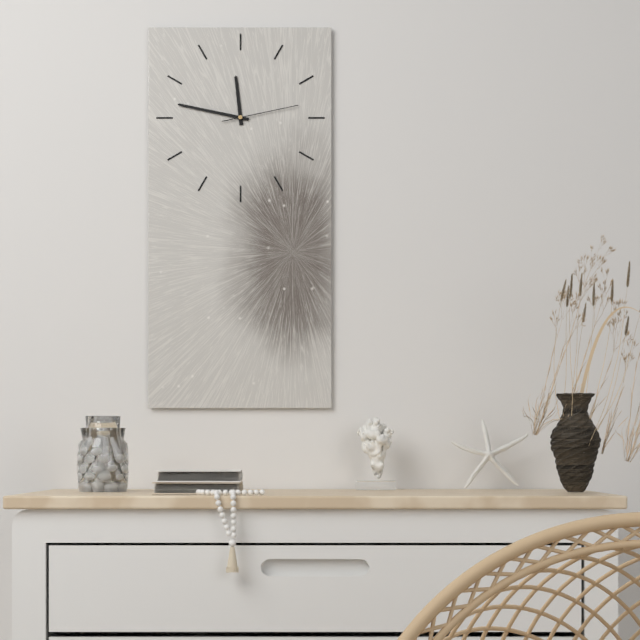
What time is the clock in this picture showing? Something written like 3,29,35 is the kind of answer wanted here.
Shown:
11,47,13
